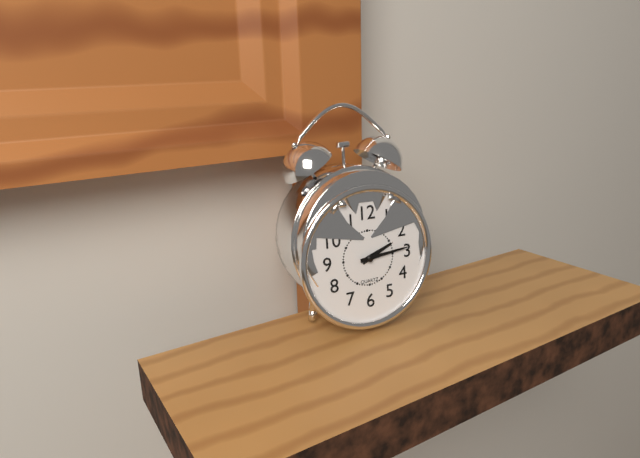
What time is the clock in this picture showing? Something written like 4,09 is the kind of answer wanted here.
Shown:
2,14
